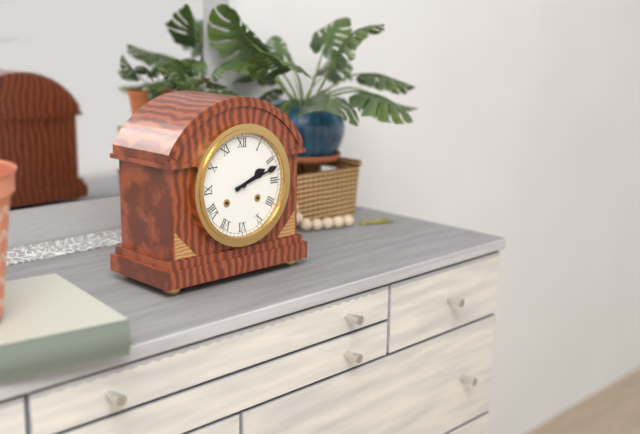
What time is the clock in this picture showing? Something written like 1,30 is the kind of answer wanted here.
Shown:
2,12
